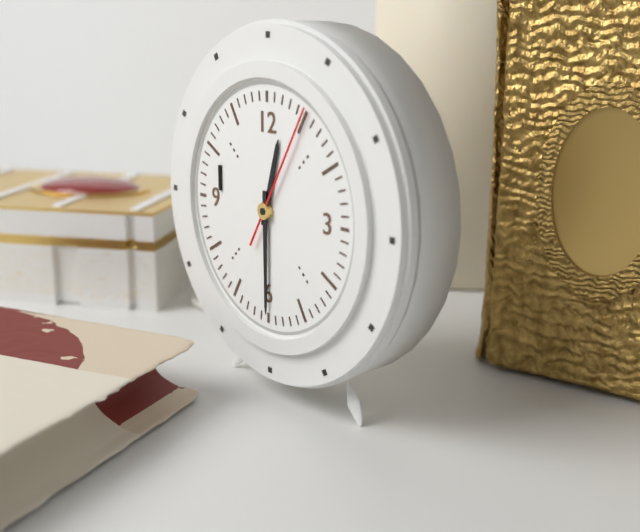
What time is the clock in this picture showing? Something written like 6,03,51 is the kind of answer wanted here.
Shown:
12,30,05
